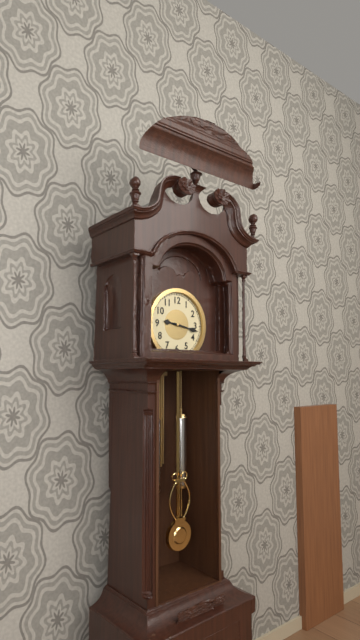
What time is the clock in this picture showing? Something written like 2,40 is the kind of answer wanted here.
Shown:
9,17
